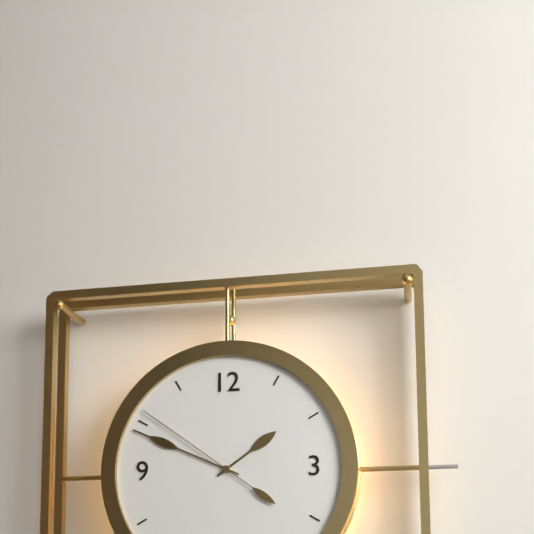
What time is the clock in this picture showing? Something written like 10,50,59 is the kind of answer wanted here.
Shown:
1,49,51
